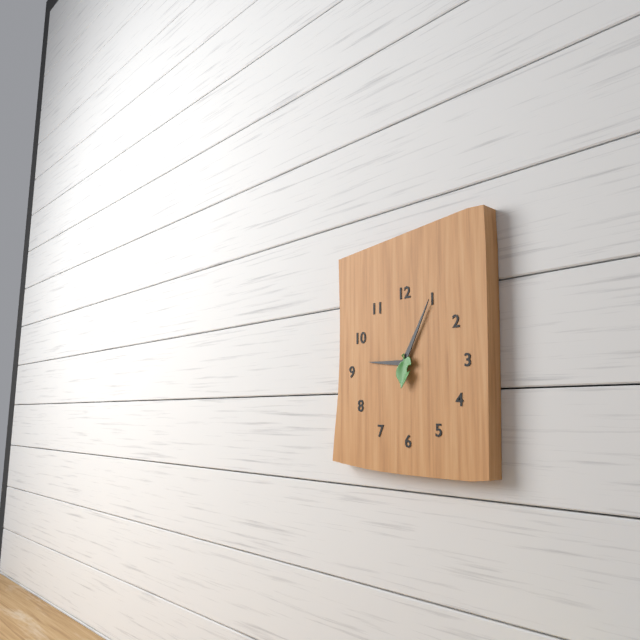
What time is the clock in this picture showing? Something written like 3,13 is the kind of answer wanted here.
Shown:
9,05
